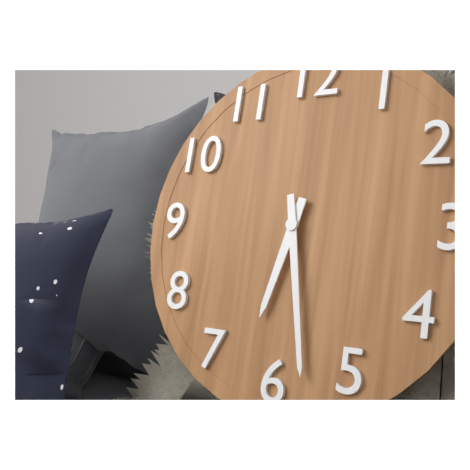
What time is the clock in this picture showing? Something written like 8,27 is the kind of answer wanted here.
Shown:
6,28
